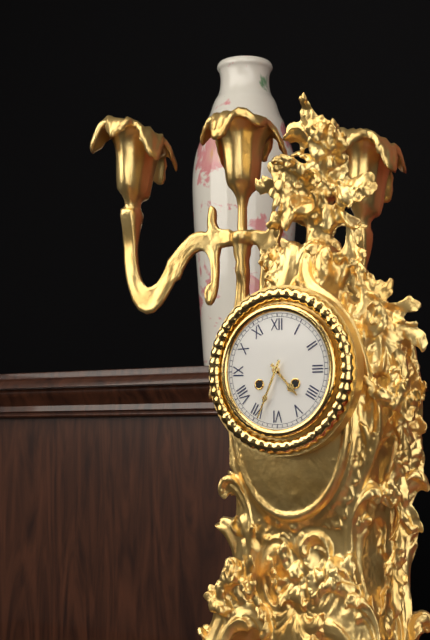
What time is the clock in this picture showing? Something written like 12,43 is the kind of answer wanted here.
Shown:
4,34
